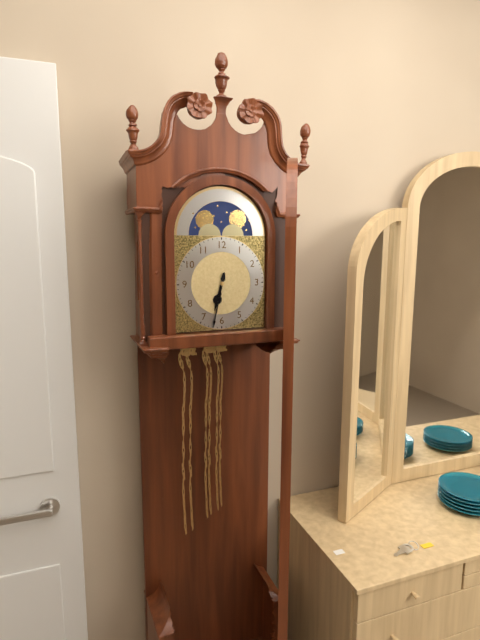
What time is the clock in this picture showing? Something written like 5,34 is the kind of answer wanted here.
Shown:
6,32
